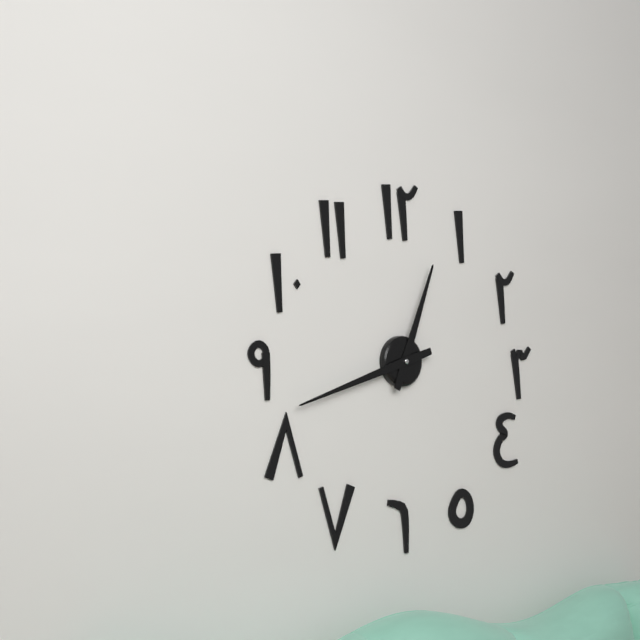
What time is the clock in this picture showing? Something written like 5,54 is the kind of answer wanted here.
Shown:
12,42
